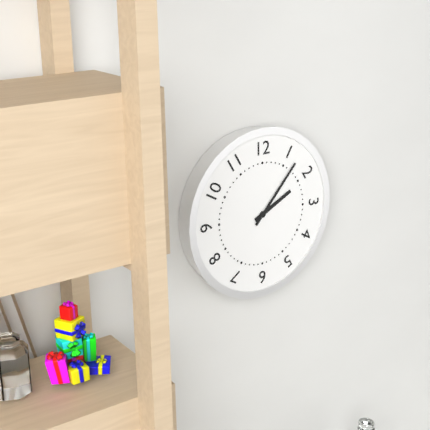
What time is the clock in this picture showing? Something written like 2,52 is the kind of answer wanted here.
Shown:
2,07
